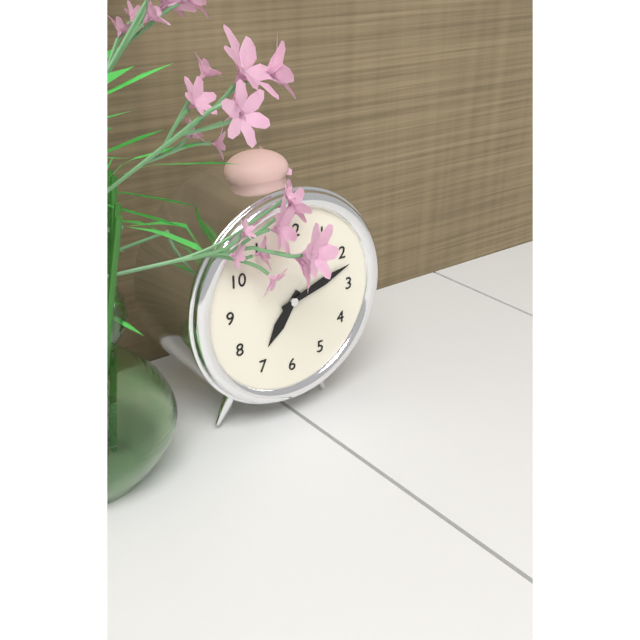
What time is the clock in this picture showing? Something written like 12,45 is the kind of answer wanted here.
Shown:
7,12
